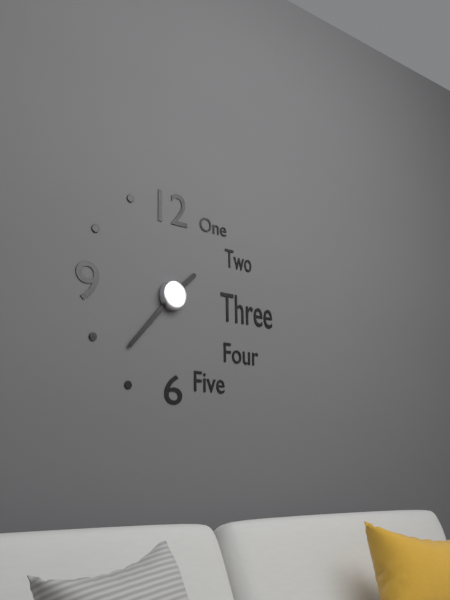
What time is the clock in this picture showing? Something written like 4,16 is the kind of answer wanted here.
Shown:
1,37
